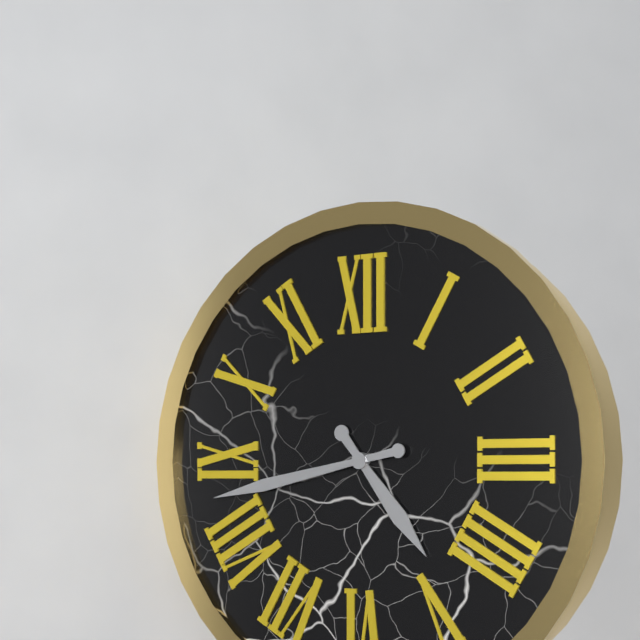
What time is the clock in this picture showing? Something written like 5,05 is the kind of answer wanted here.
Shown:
4,43
